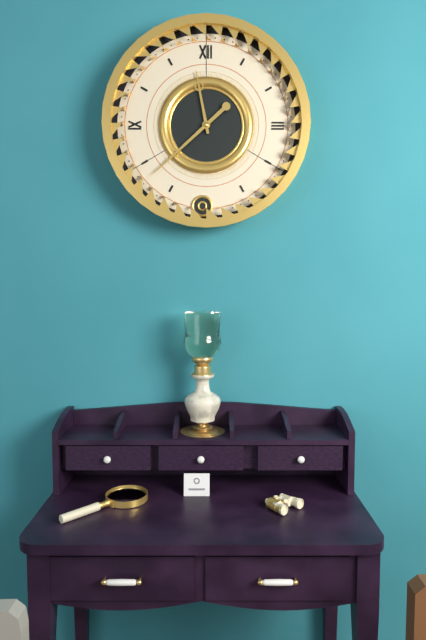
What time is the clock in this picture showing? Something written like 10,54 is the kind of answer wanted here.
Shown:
11,38
